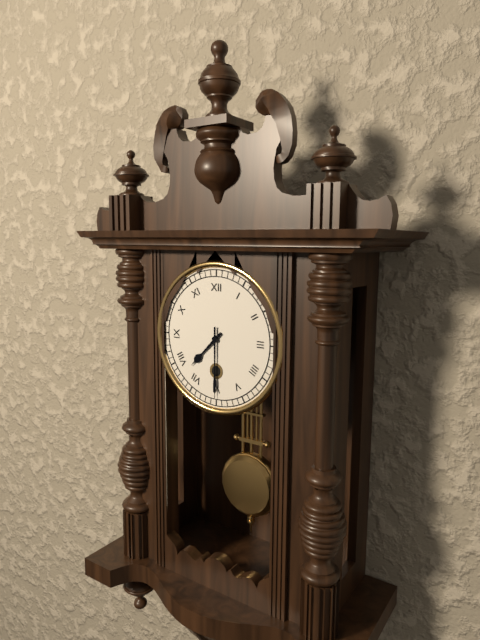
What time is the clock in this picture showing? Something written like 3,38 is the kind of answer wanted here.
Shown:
7,30
